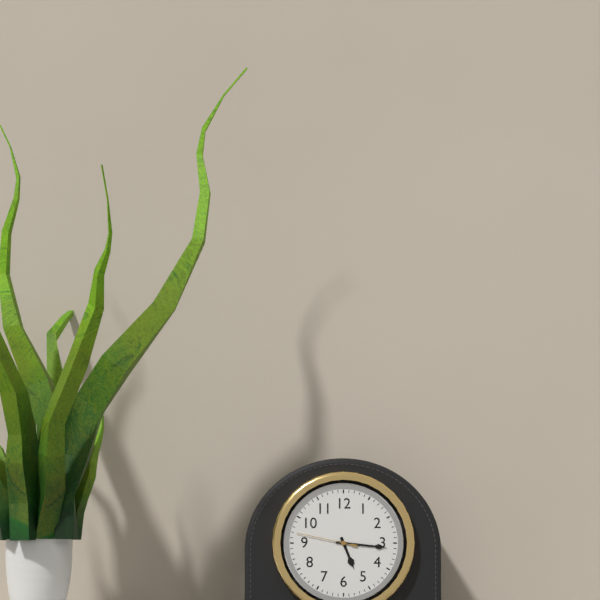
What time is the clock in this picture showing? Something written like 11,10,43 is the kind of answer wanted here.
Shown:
5,16,47
